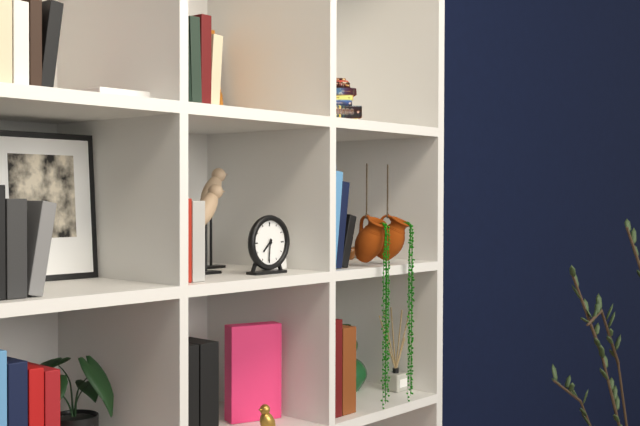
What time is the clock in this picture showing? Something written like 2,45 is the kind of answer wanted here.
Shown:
7,31
